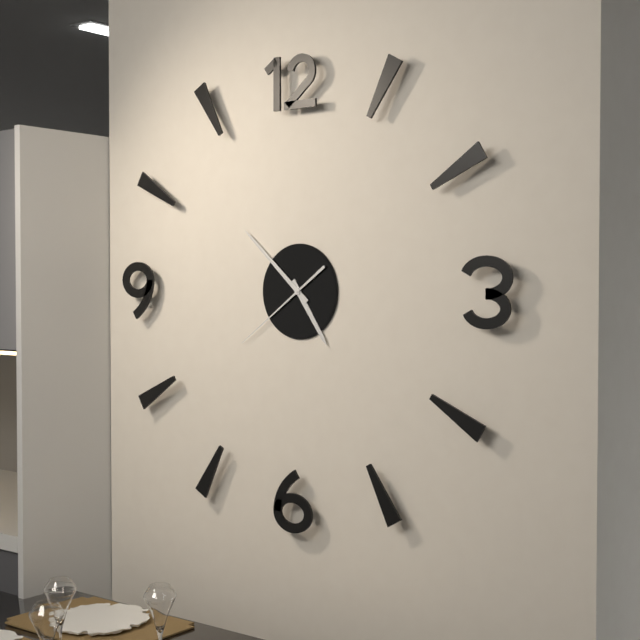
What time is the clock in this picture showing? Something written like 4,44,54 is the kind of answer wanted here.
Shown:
4,52,39
